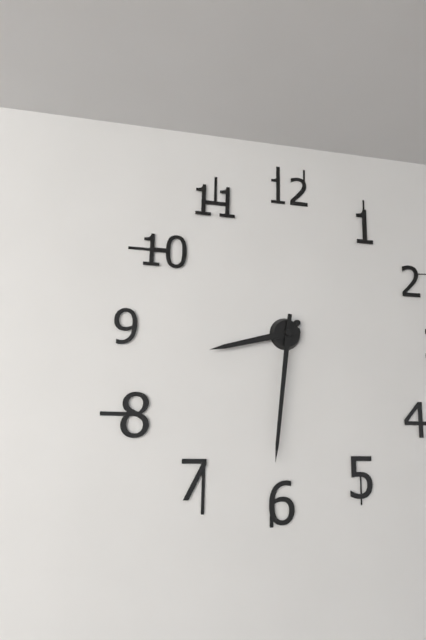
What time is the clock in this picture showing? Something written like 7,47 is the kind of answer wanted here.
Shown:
8,31
